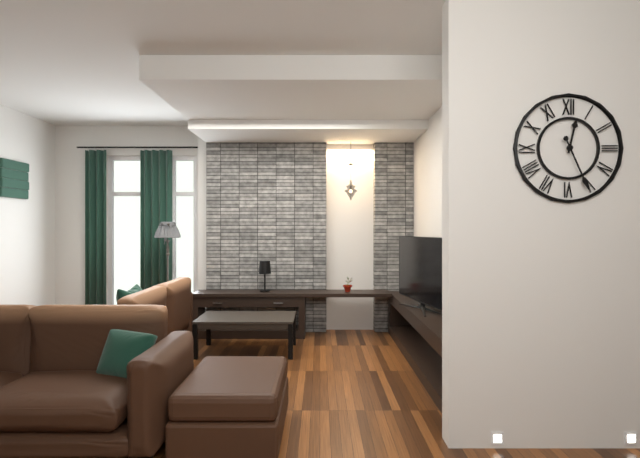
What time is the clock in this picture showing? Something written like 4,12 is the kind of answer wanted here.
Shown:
12,26
